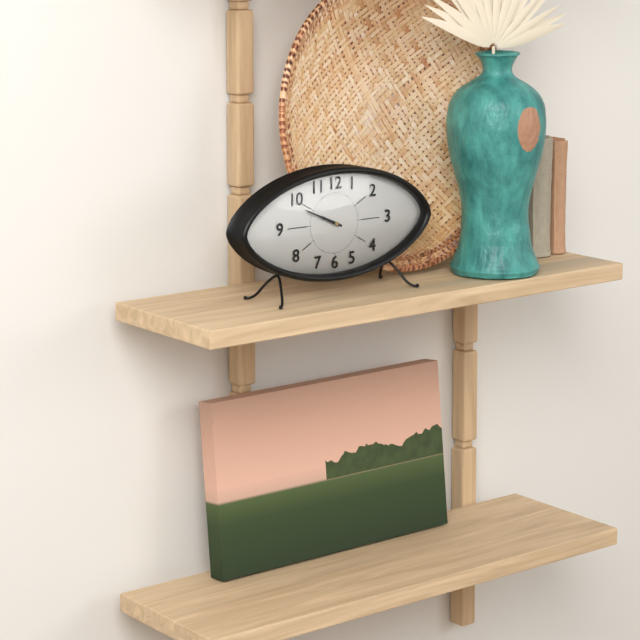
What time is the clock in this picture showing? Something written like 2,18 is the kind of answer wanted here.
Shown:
9,49
